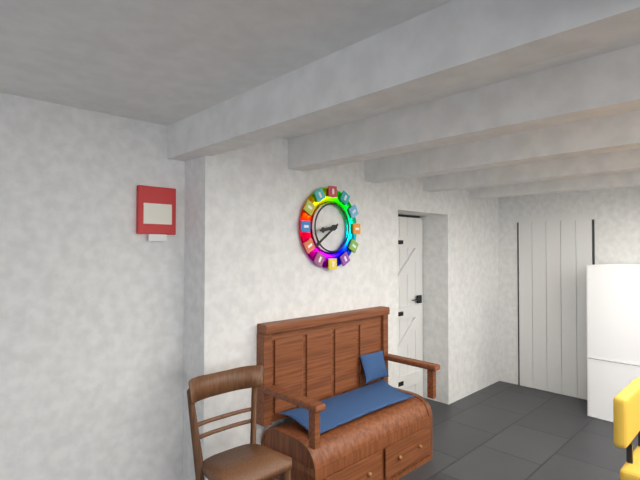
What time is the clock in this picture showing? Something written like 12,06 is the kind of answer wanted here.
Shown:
8,39
